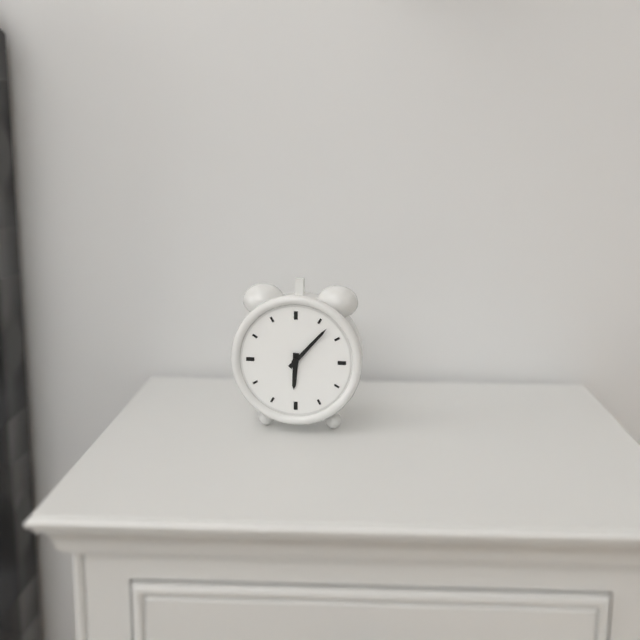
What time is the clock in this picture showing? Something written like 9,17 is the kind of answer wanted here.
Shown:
6,07
